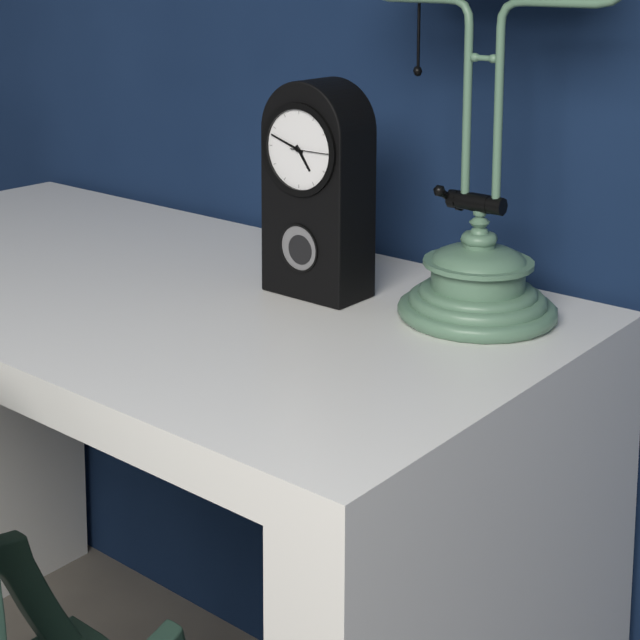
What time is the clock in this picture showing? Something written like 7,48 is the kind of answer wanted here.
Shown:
4,48
